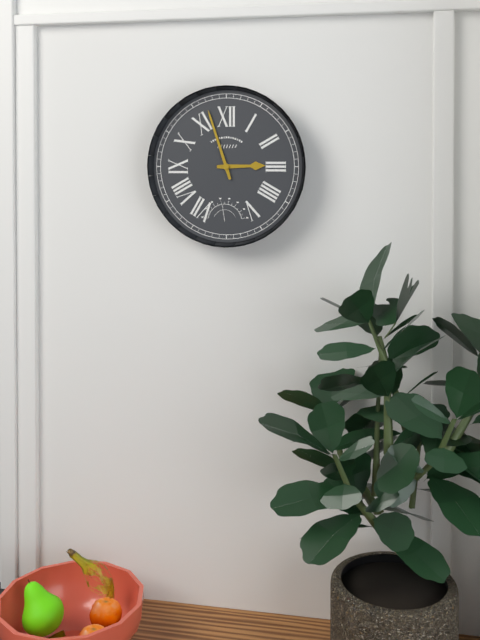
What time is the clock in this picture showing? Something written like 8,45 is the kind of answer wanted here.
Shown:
2,57
